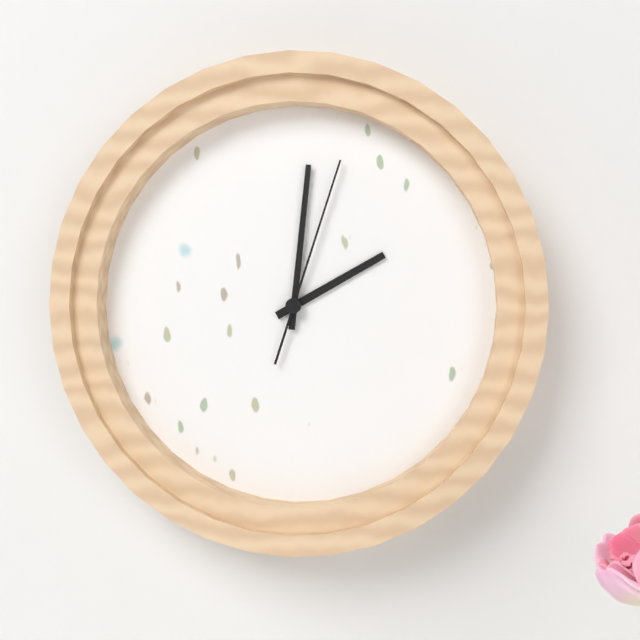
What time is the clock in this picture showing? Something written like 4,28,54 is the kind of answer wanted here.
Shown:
2,01,03
